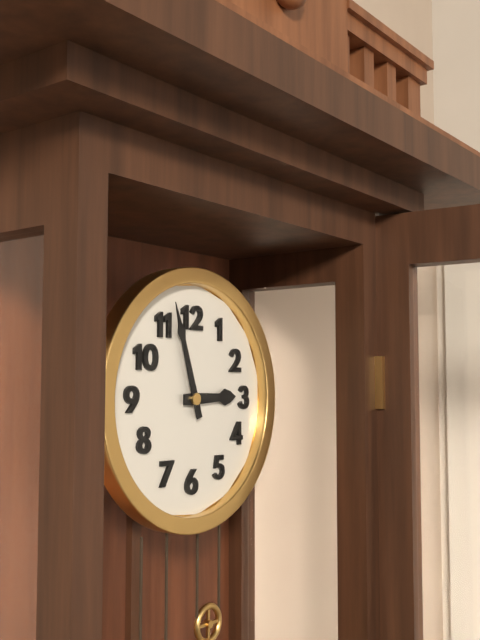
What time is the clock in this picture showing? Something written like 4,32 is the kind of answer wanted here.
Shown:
2,57
